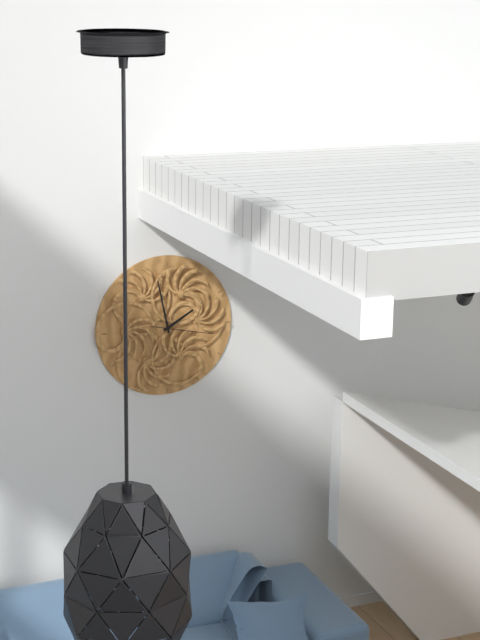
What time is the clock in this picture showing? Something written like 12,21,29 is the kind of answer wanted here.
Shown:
1,58,17
